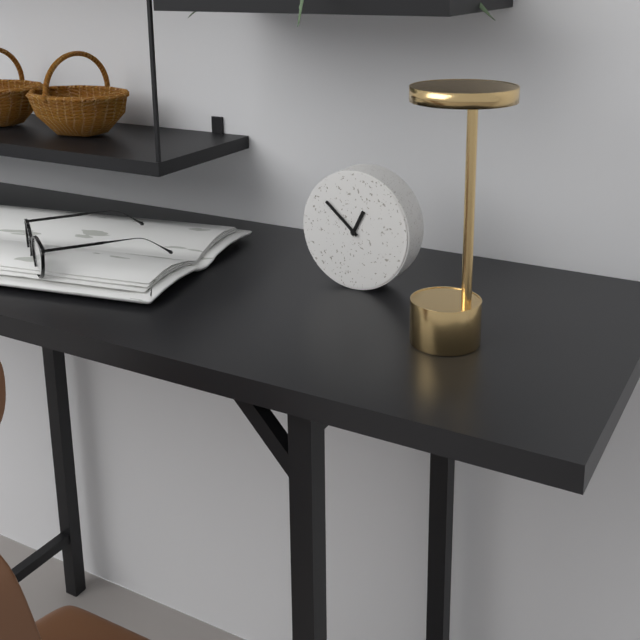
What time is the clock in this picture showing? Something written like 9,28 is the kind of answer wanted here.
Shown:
12,52
